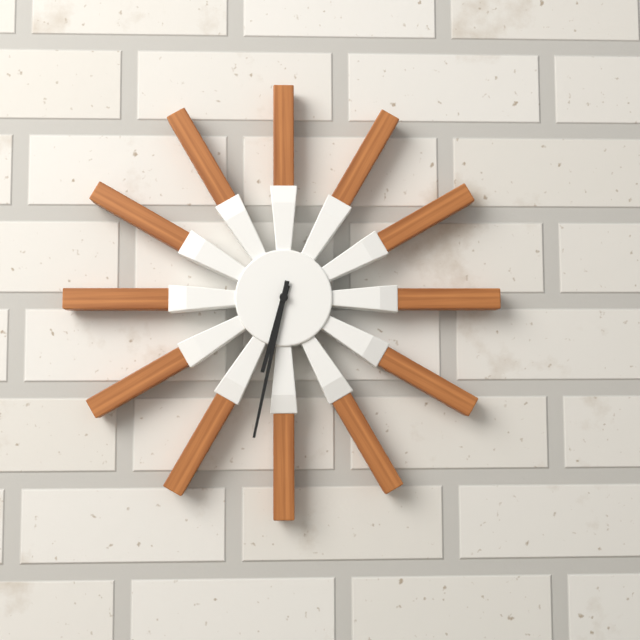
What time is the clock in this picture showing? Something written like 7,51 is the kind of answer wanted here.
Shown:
6,32
